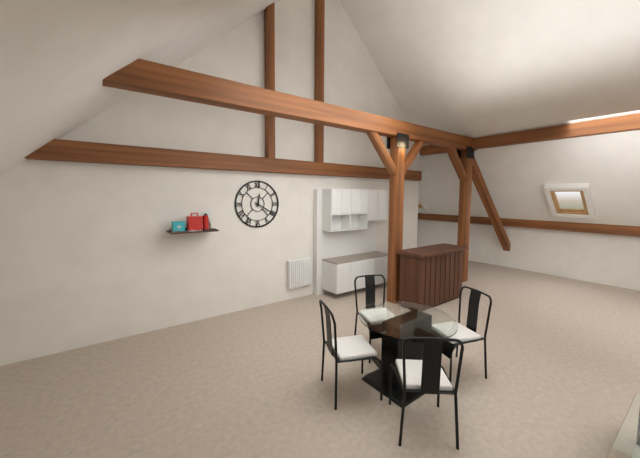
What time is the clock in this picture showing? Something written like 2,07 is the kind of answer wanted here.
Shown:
12,20
